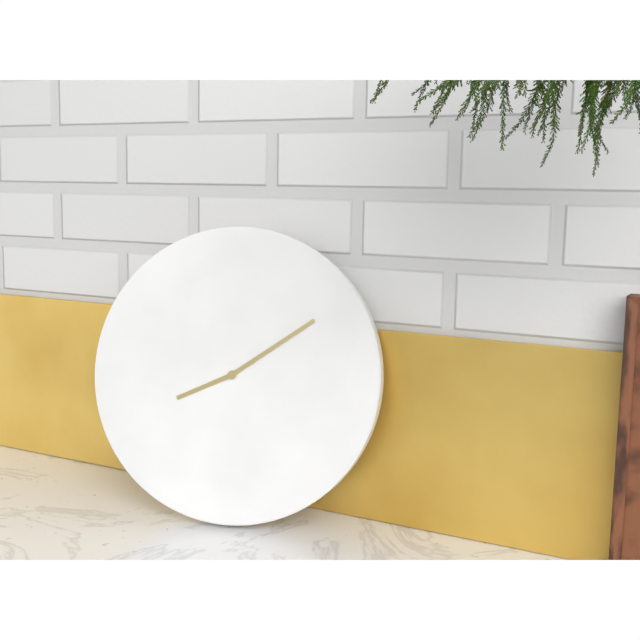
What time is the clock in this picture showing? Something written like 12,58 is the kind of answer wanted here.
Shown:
8,09
